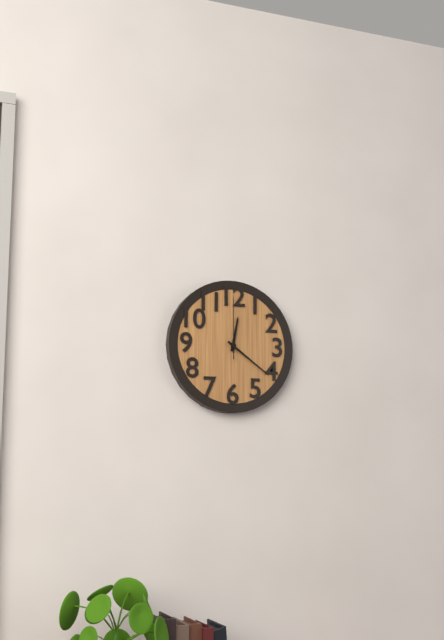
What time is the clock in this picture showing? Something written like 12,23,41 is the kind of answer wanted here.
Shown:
12,21,00
